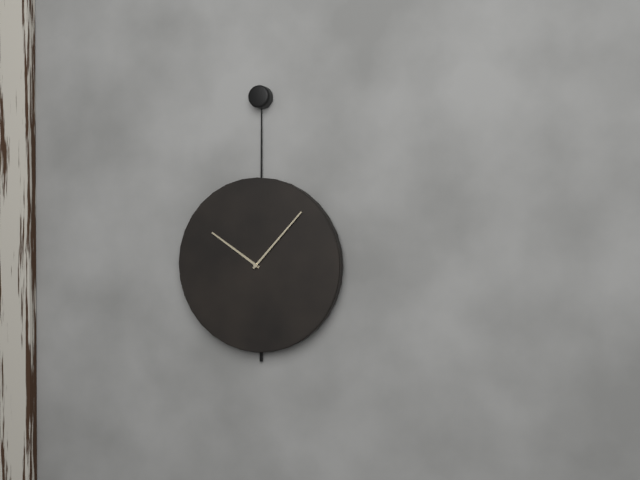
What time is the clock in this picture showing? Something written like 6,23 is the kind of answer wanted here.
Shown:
10,07
